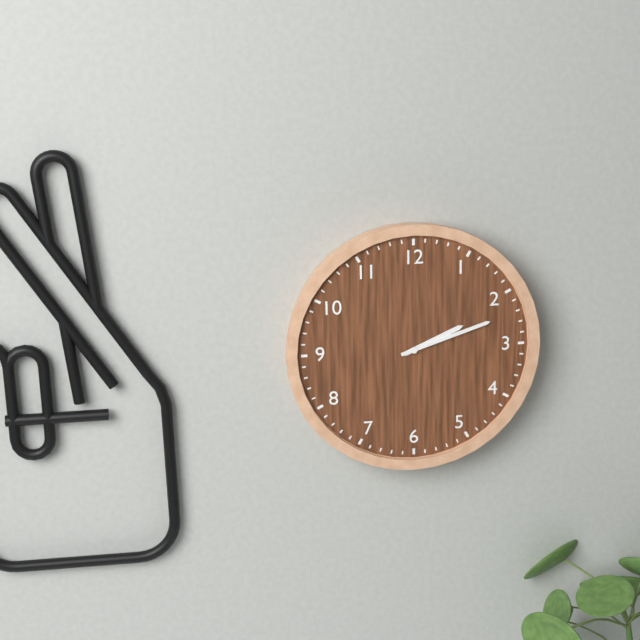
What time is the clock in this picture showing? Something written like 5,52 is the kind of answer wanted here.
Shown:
2,12
